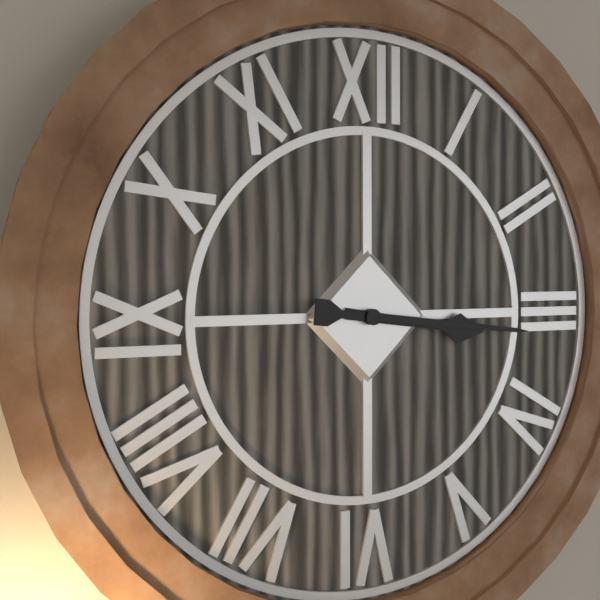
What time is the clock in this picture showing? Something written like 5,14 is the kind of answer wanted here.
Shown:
3,16
